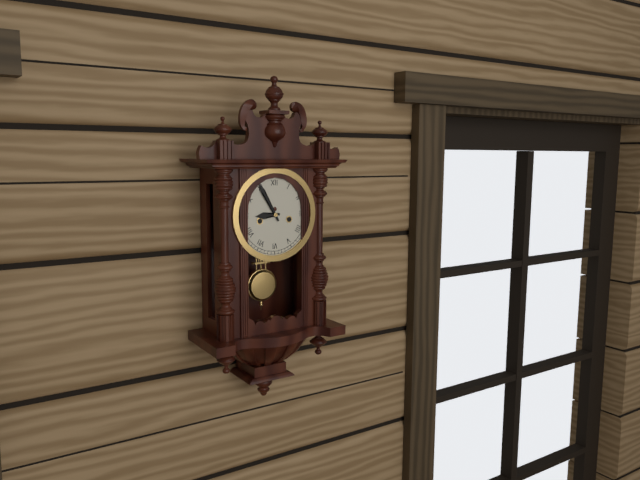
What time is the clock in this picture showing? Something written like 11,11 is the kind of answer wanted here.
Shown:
8,55
